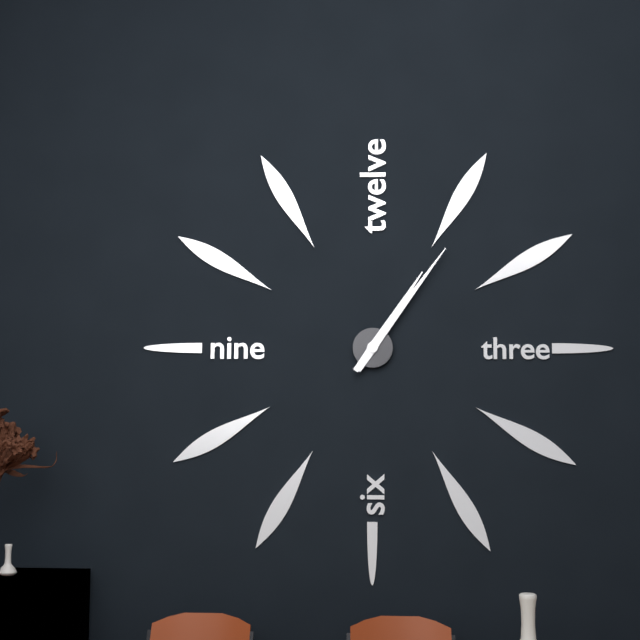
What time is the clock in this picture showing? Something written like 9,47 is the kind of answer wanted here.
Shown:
1,06
